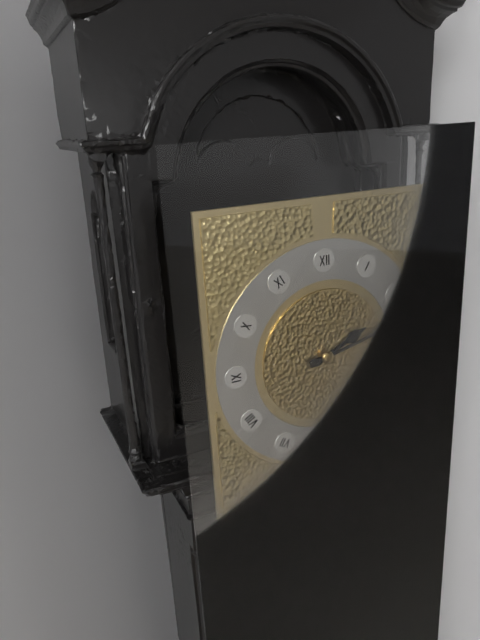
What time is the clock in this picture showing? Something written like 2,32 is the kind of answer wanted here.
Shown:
2,13
